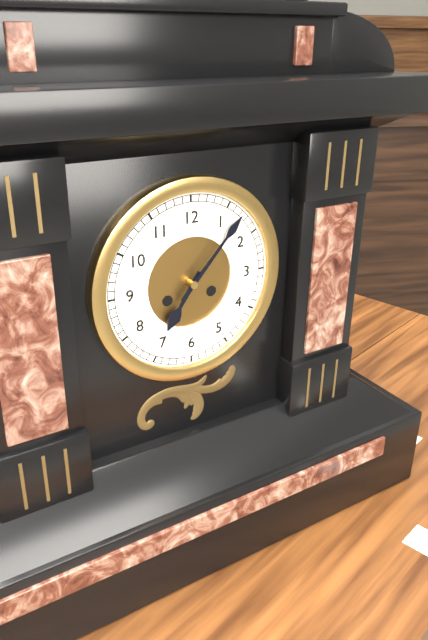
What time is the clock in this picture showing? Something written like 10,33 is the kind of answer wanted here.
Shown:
7,07
